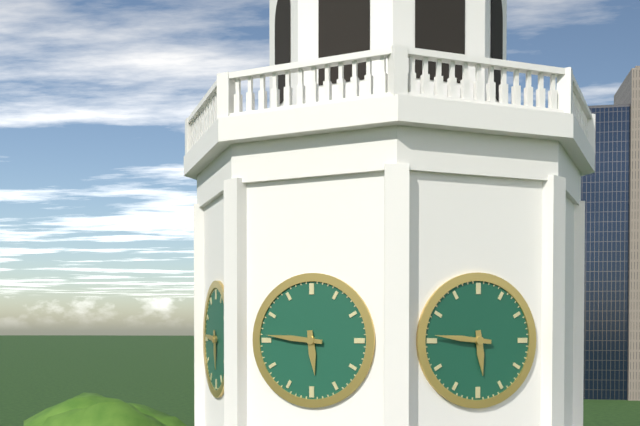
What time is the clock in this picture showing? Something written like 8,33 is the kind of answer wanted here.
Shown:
5,46
